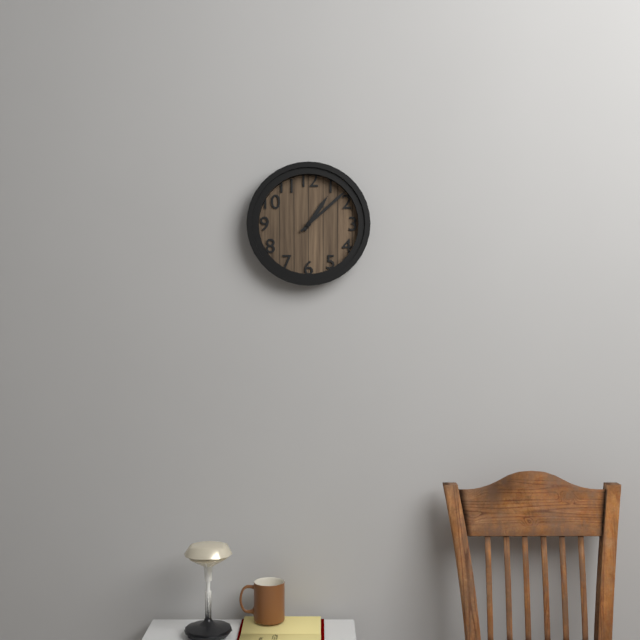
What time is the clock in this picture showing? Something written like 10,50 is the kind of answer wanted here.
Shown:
1,08
